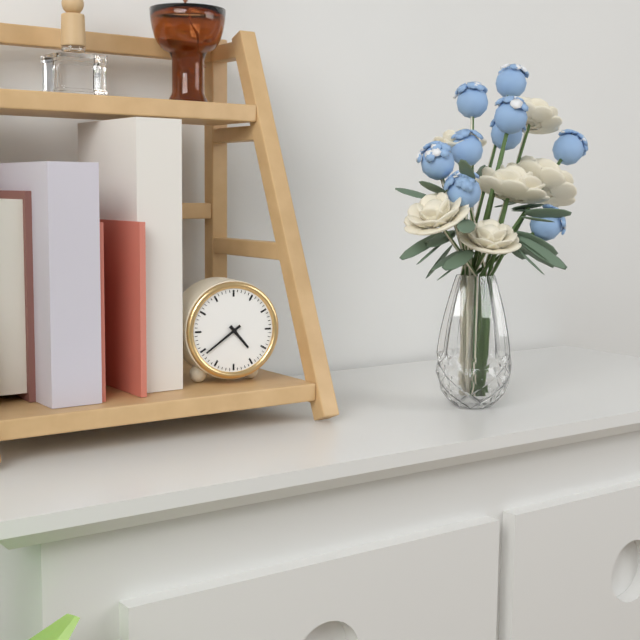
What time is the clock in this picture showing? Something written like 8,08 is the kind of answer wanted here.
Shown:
4,39
